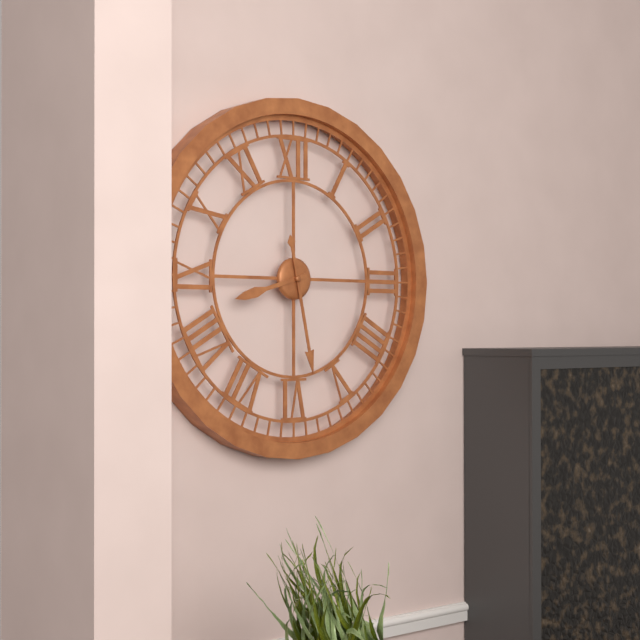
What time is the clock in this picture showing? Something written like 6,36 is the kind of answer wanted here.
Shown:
8,28
